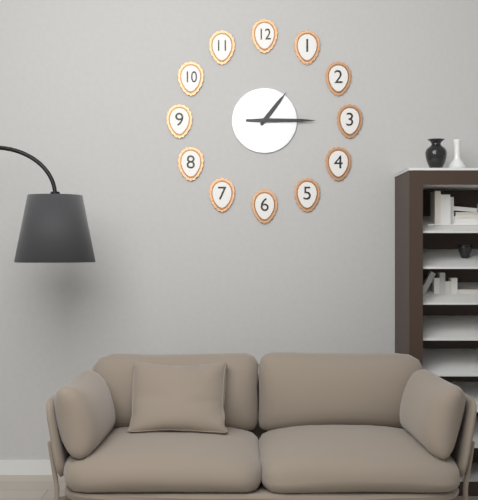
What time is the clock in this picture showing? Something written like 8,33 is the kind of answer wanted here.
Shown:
1,15
